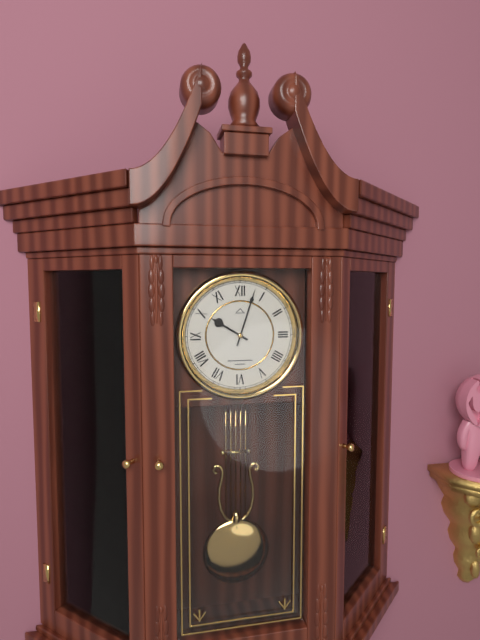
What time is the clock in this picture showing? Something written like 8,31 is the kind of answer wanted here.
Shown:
10,03
